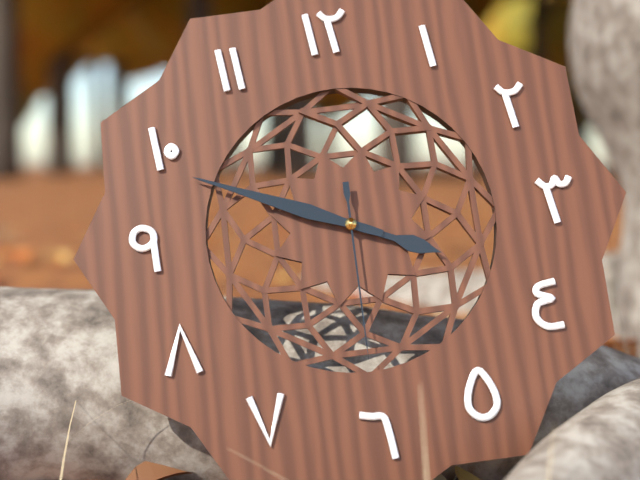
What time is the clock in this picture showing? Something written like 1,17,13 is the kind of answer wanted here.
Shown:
3,49,30
